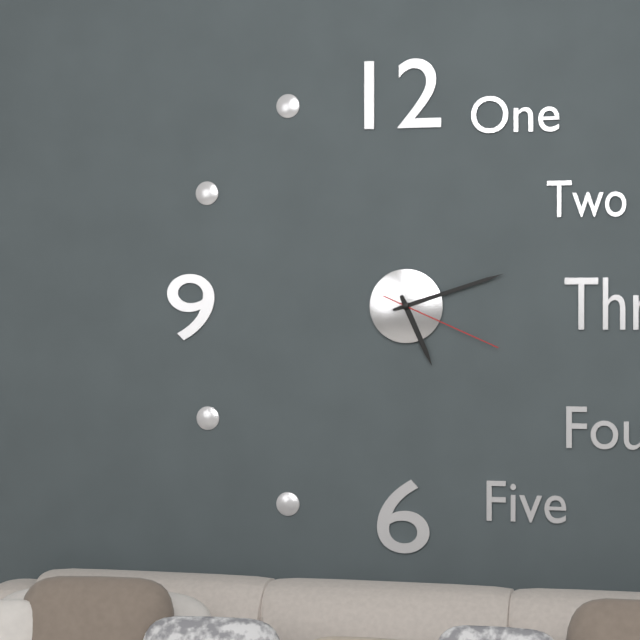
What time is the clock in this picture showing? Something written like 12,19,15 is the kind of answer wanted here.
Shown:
5,12,19
